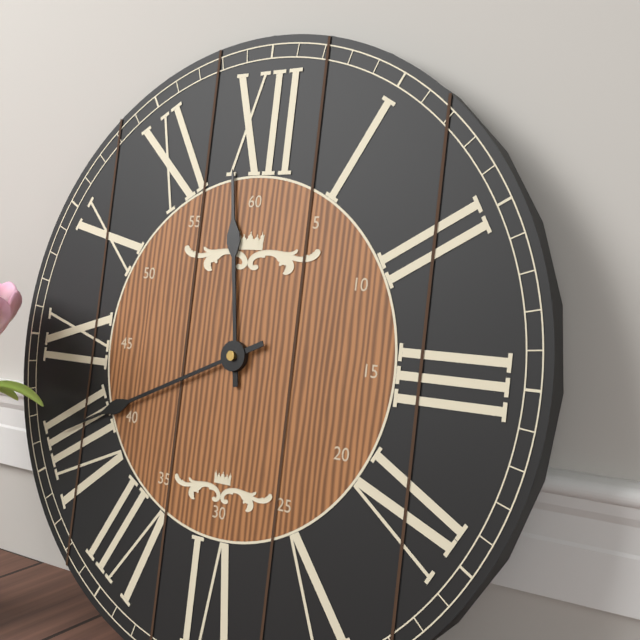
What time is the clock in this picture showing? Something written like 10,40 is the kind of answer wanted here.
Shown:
11,41
